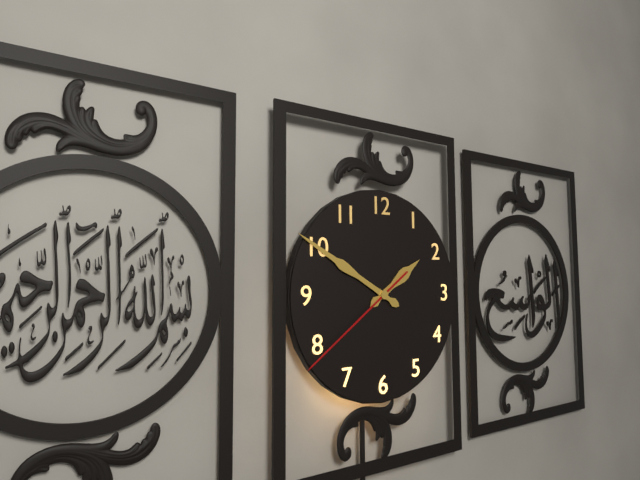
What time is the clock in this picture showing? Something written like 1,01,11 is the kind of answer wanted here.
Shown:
1,50,39
